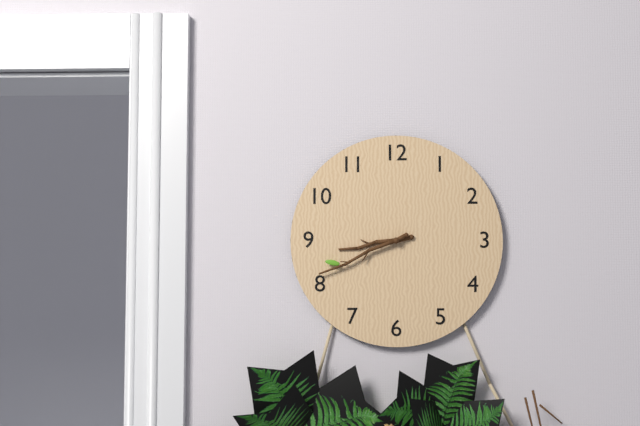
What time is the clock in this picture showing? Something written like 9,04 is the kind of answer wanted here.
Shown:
8,41
